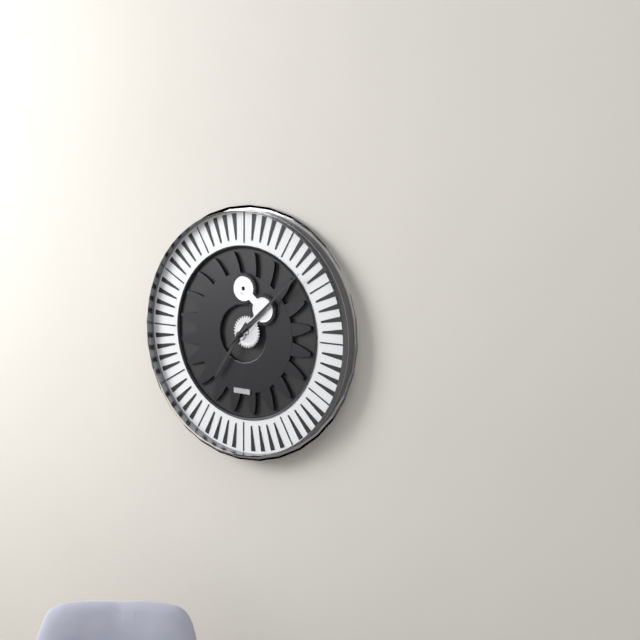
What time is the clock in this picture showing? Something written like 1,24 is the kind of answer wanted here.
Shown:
7,08
